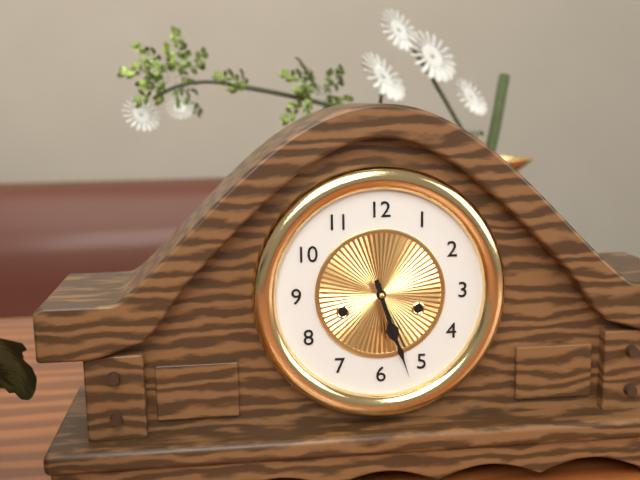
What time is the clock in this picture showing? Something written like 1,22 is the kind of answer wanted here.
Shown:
5,27
